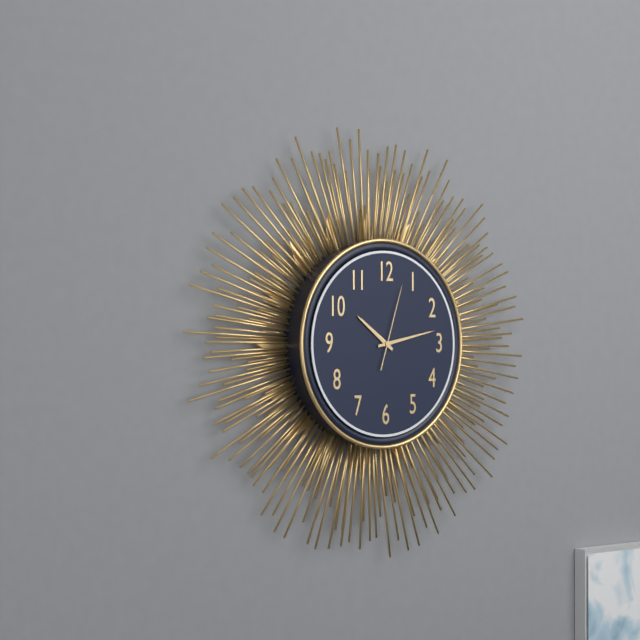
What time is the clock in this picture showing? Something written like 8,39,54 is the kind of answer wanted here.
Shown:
10,13,03
